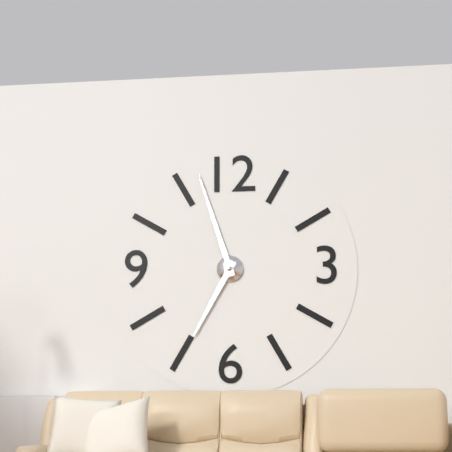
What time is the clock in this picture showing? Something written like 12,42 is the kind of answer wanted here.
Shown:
6,57
